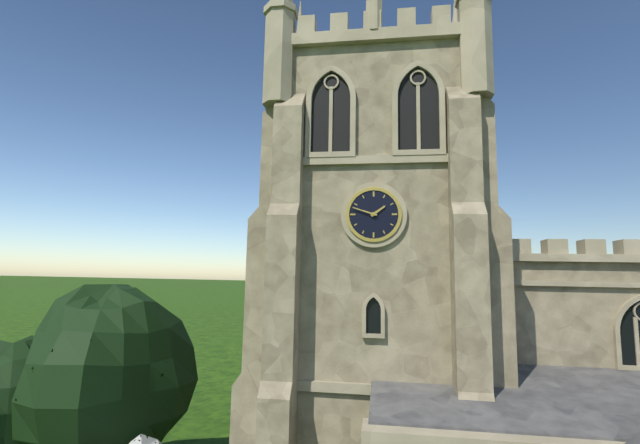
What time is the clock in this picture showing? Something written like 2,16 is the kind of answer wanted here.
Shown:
1,48
